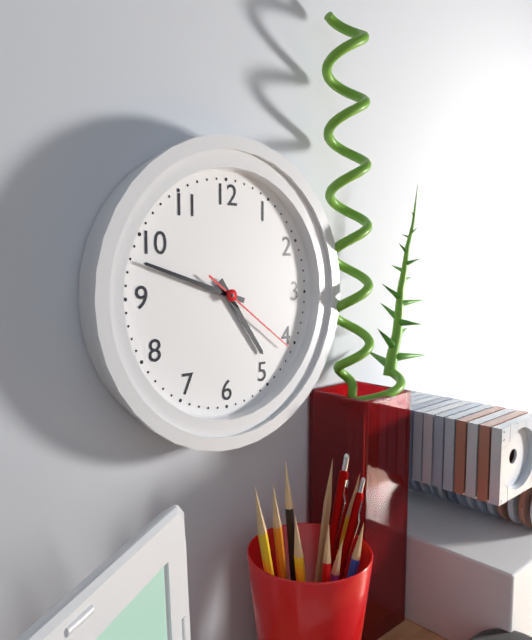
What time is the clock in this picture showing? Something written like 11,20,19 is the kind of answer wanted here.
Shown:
4,48,21
